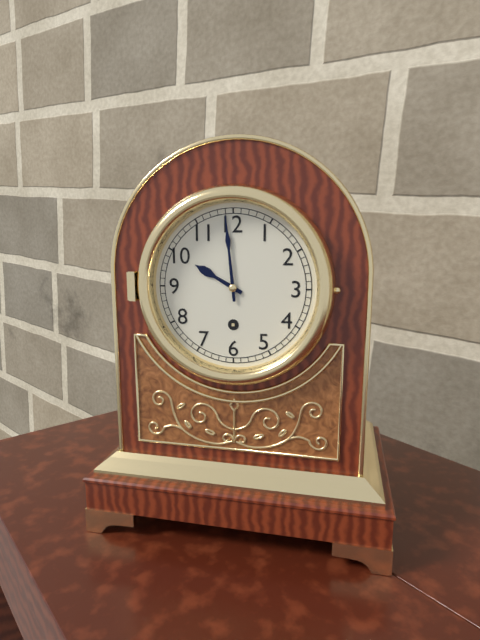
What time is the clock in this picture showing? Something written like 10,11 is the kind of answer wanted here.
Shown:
9,59
